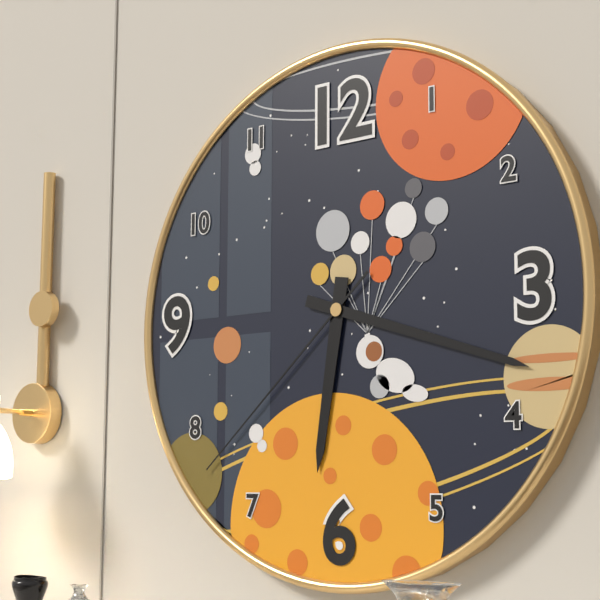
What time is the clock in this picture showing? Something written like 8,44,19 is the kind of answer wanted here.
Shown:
6,18,38
